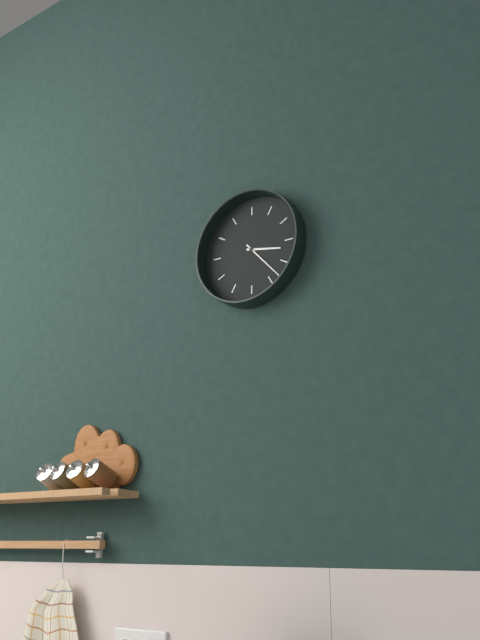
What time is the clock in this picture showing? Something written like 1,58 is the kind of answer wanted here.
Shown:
3,23
